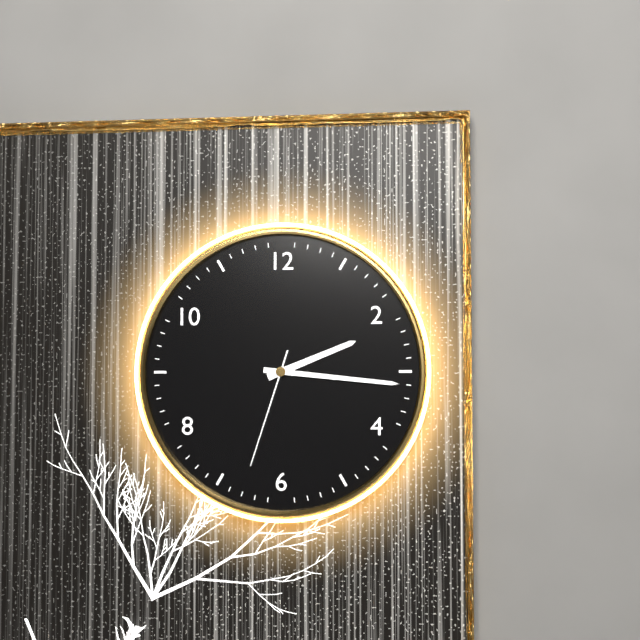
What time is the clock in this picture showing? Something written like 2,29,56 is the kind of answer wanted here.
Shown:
2,16,33
